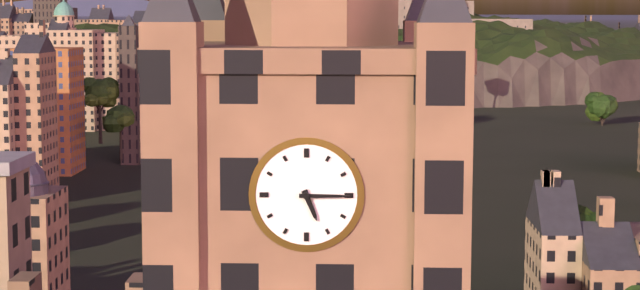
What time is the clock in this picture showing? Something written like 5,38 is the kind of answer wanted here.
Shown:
5,15
